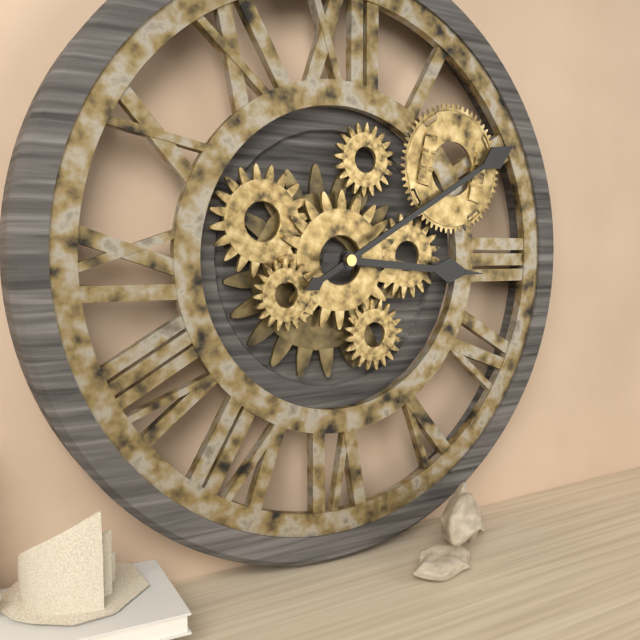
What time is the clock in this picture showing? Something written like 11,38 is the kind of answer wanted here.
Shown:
3,10
